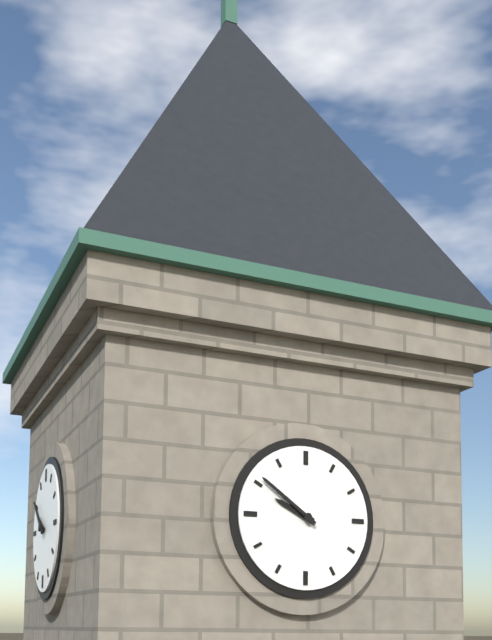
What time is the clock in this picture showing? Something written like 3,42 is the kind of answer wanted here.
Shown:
9,51
